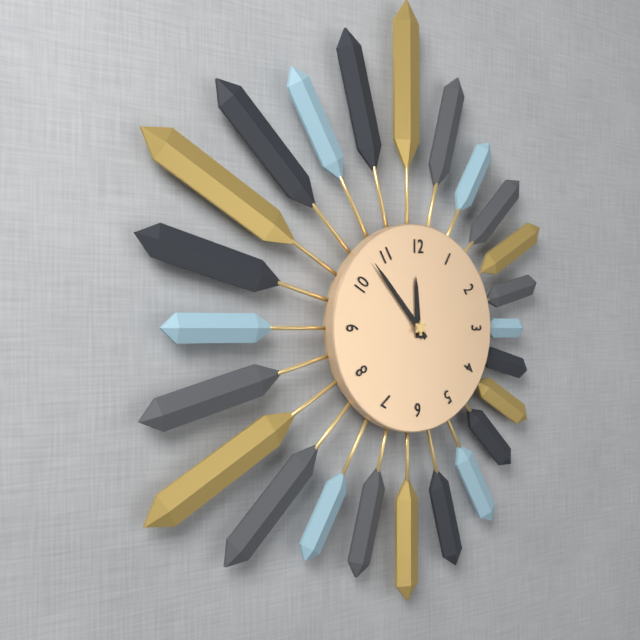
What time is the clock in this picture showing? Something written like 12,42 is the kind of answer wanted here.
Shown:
11,53
